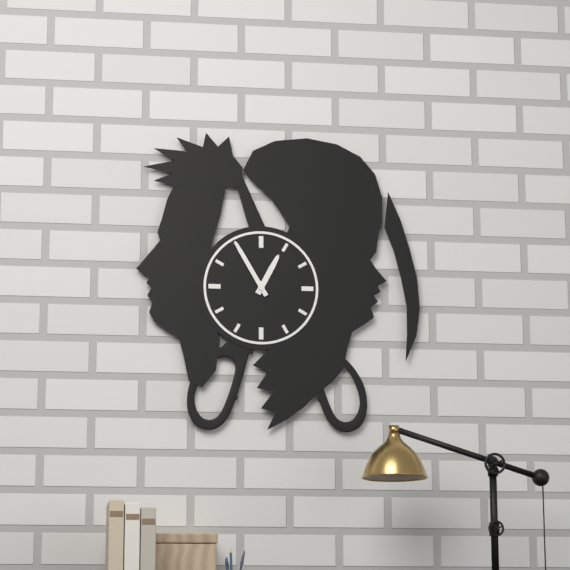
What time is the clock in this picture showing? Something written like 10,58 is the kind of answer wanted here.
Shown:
12,55
